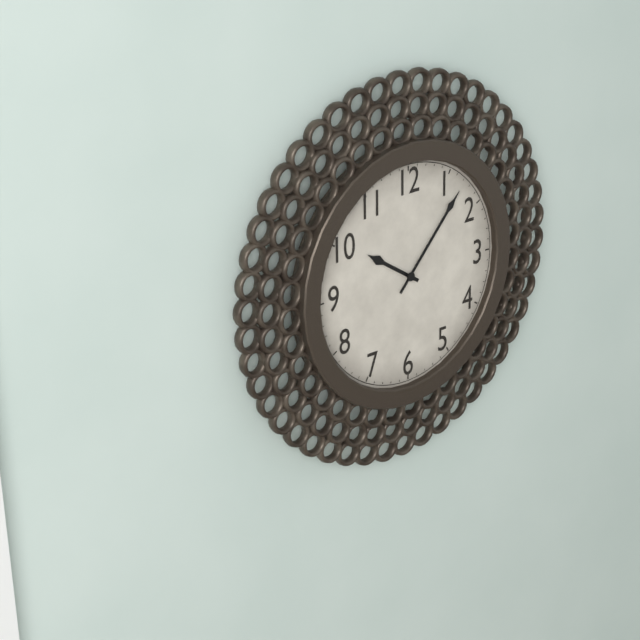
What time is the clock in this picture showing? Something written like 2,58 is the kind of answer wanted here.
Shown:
10,07
